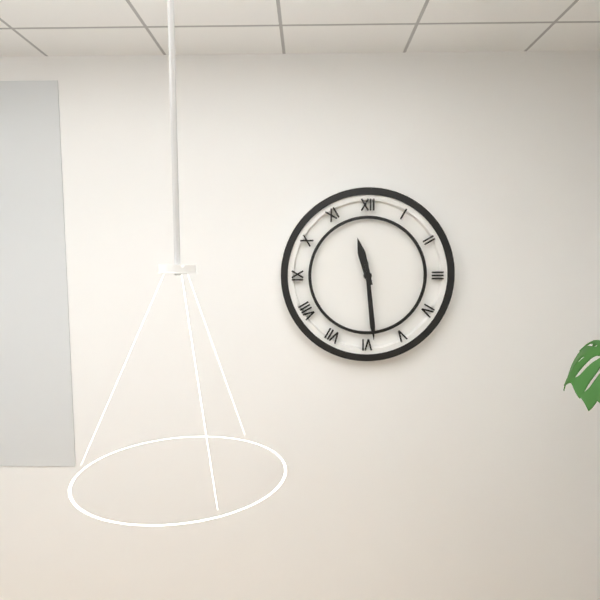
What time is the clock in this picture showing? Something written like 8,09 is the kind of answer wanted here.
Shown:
11,29
